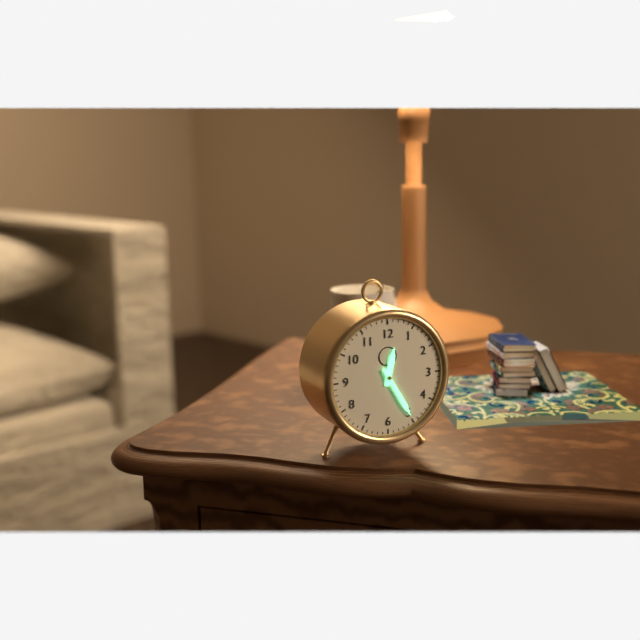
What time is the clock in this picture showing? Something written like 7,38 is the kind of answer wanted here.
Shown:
12,25
